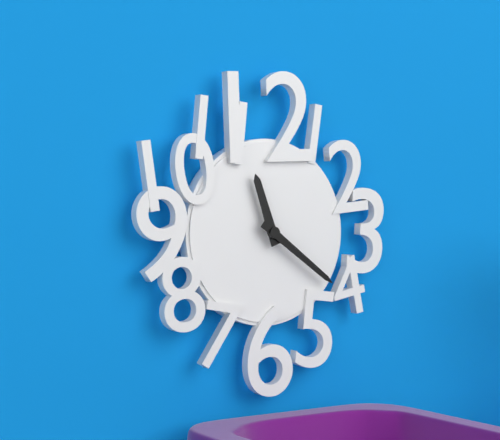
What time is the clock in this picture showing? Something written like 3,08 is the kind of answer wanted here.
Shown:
11,21
